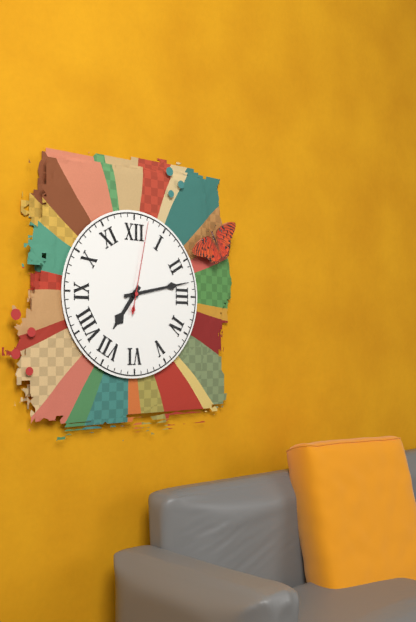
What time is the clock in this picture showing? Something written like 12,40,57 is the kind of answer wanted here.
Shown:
7,13,02
